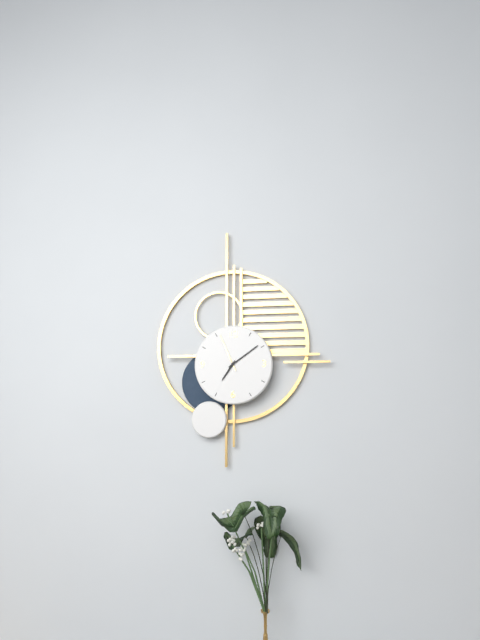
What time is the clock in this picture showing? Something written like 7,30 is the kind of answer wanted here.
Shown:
7,09
